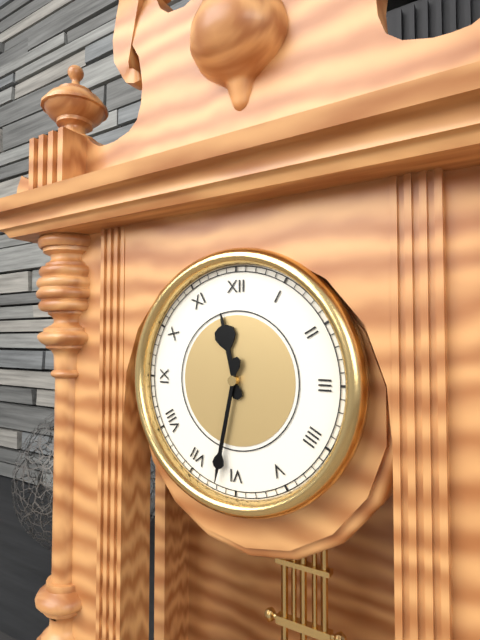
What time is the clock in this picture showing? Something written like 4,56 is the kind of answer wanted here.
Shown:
11,32
